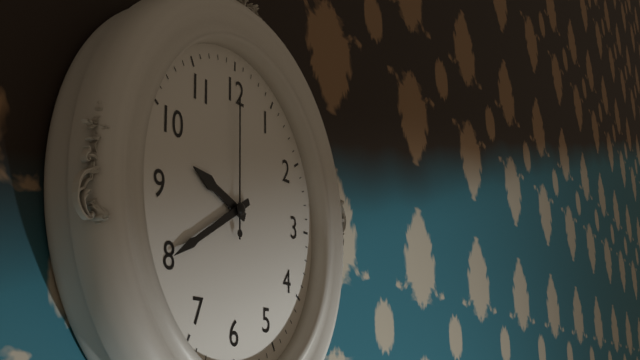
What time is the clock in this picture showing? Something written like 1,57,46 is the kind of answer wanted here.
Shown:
9,40,00
